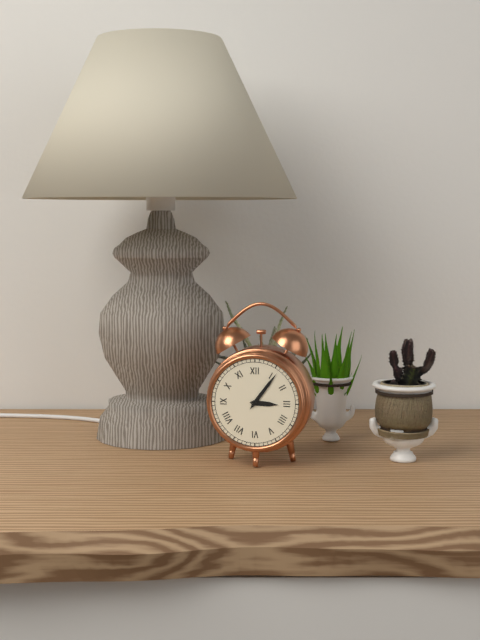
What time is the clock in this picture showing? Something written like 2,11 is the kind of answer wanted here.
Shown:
3,06
